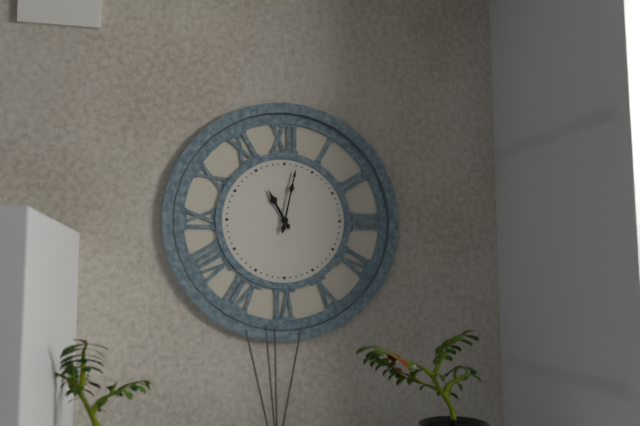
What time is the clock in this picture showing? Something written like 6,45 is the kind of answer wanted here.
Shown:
11,02
